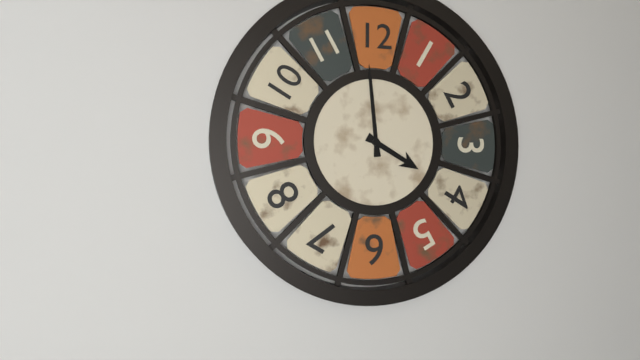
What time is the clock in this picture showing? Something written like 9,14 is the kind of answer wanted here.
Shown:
3,59
